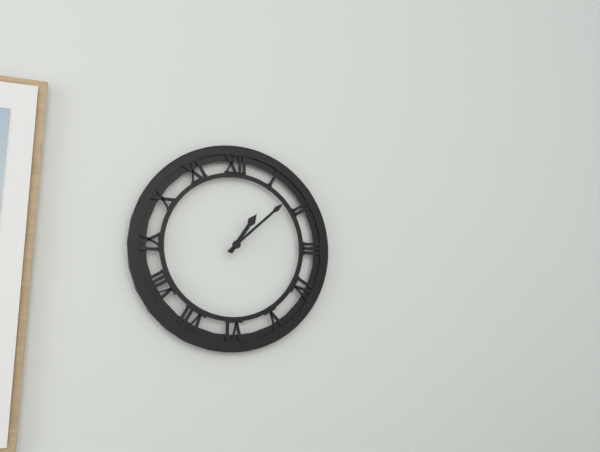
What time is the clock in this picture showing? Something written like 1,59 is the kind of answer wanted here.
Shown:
1,08
